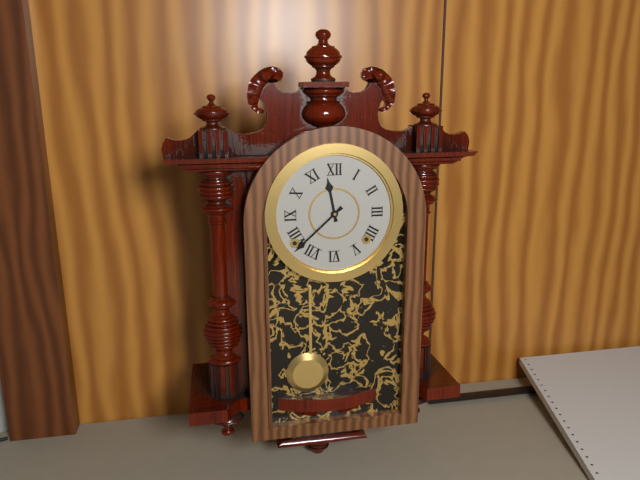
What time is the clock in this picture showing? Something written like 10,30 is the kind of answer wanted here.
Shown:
11,38
